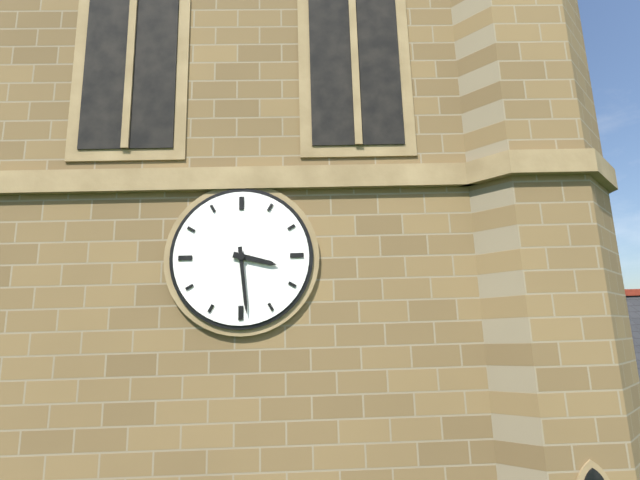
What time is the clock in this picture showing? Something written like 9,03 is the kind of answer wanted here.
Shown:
3,29
